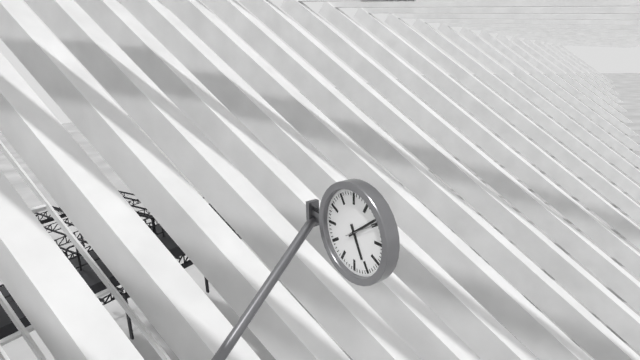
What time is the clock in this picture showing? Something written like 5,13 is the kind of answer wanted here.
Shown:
5,09
